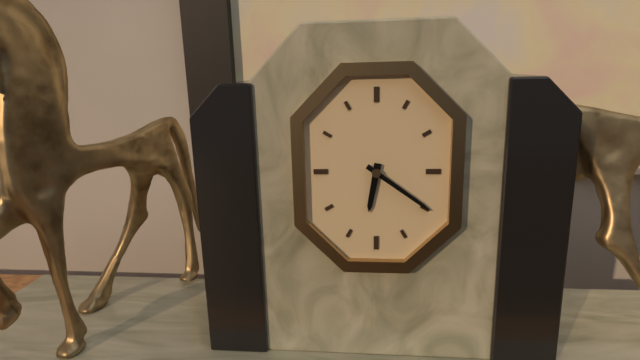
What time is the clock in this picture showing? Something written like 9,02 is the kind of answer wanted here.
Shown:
6,21
